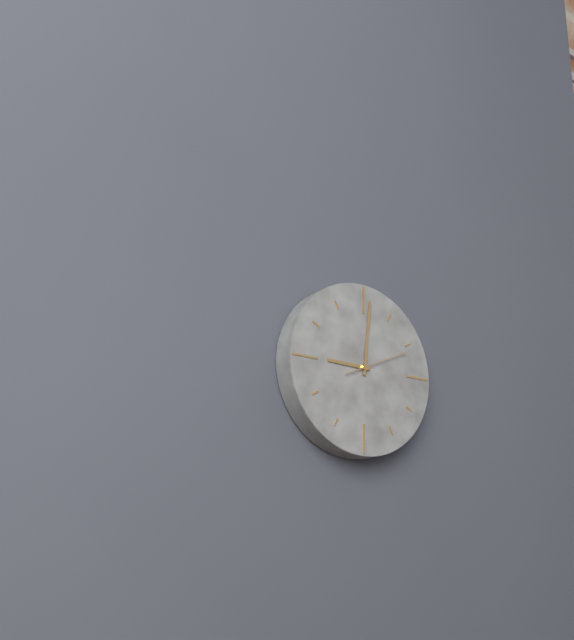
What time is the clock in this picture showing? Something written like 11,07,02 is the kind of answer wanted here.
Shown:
9,01,11
